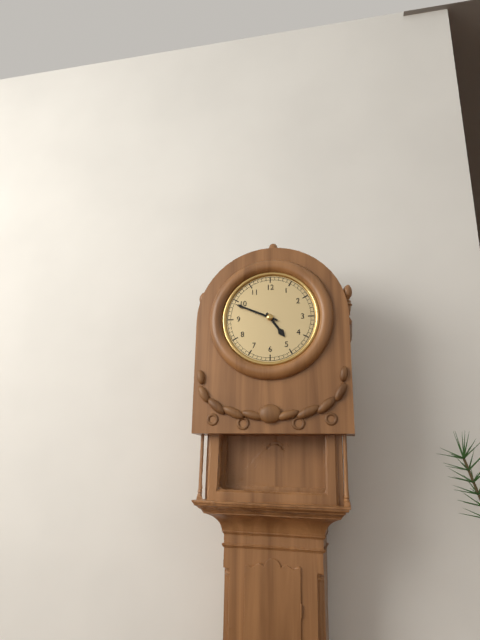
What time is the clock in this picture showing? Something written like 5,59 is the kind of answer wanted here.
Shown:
4,49
